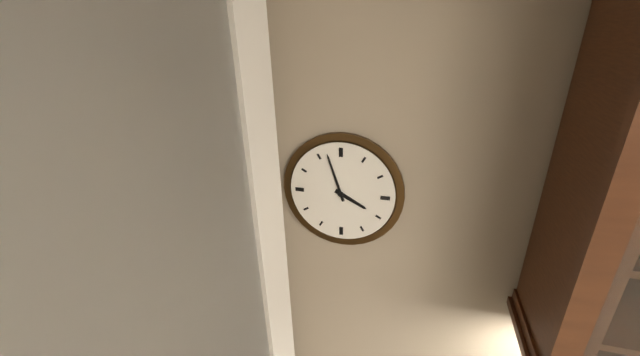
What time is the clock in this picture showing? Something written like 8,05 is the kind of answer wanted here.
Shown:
3,57
